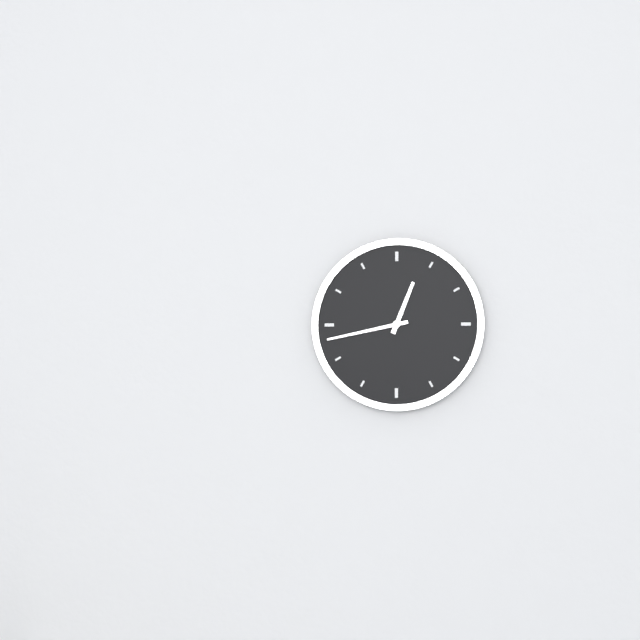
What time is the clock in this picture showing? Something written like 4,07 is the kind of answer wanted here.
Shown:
12,43
